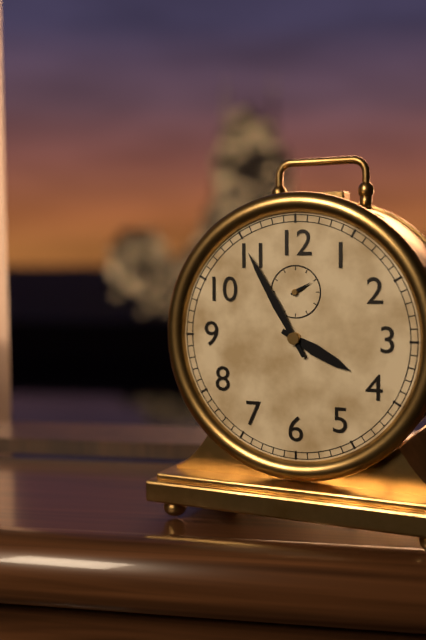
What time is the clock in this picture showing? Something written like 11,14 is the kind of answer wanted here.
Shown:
3,55
